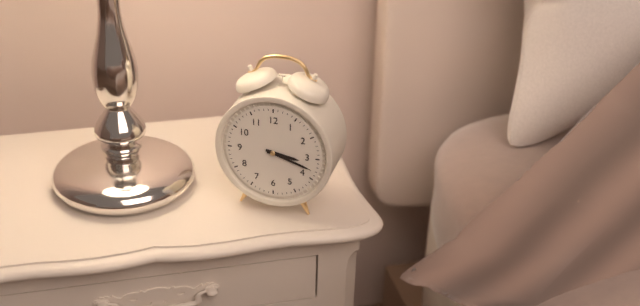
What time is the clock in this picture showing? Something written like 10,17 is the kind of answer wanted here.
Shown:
3,18
